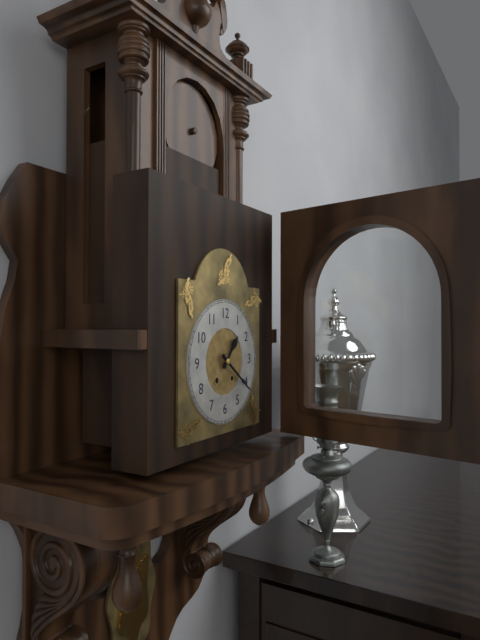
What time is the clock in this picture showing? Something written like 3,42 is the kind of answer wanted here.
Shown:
1,21
